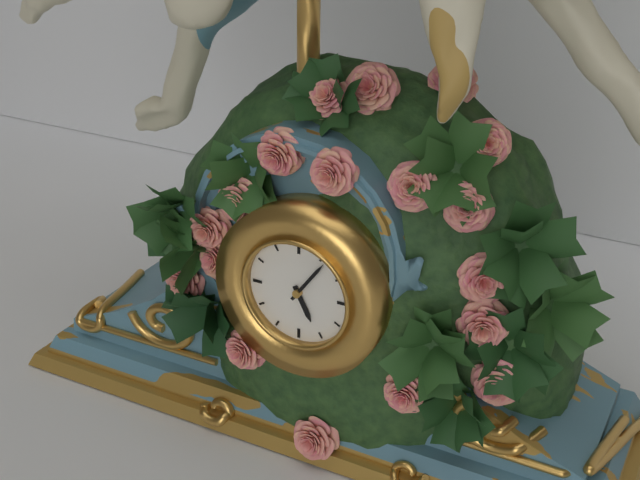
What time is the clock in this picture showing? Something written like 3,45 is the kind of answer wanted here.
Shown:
5,06
